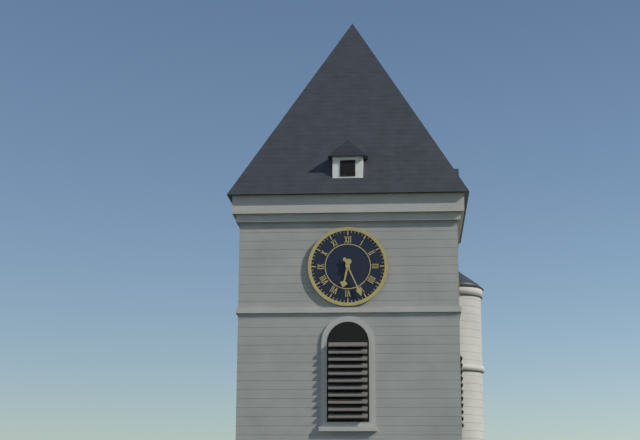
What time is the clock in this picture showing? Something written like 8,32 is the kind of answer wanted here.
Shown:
6,26
